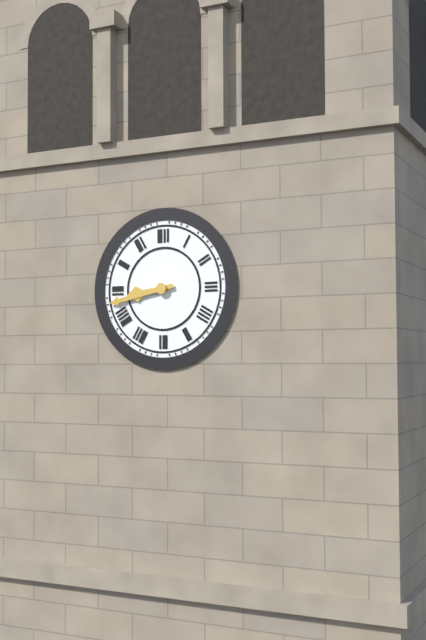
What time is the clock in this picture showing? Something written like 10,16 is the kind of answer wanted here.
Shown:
8,43
